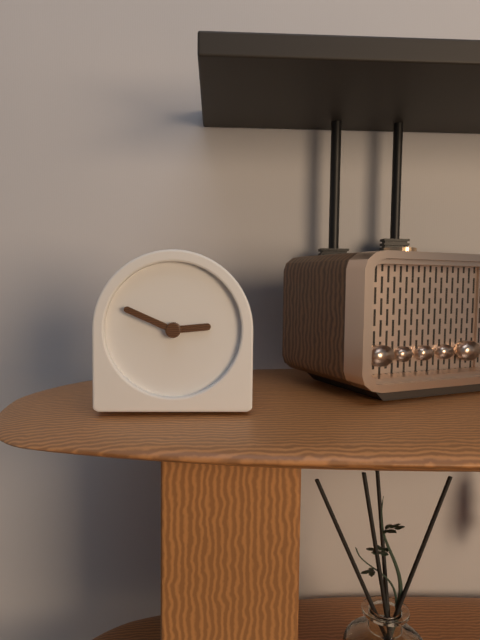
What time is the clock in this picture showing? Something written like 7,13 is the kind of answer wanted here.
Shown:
2,49
